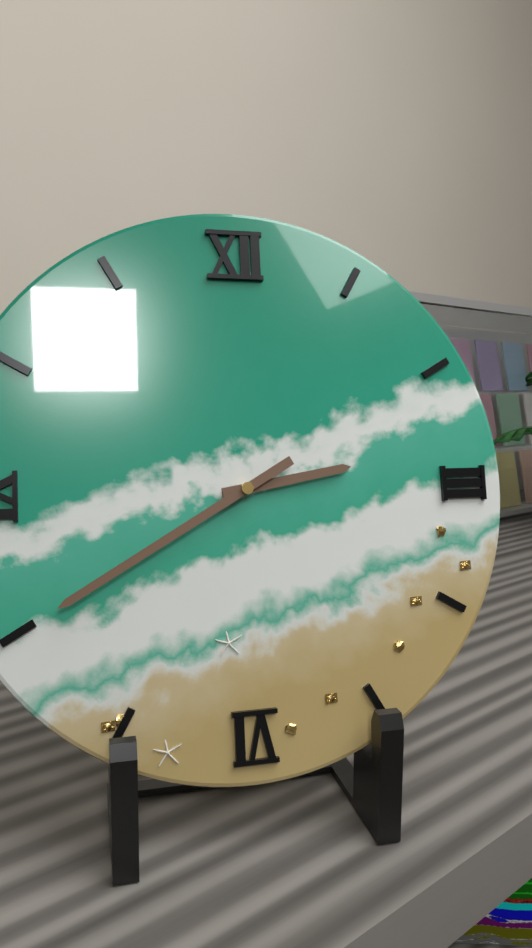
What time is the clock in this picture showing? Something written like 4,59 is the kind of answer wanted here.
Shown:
2,40
